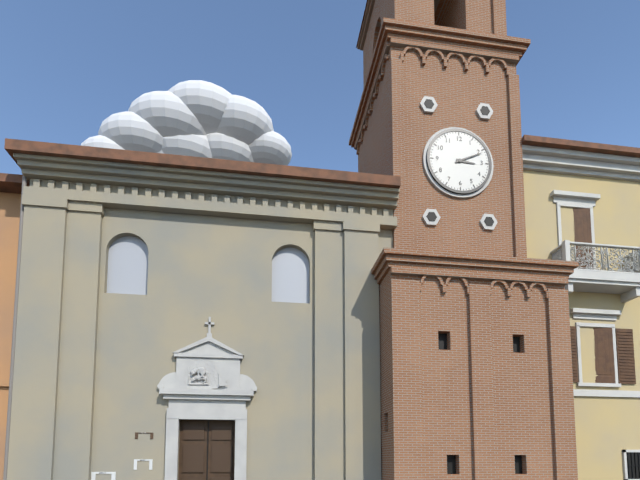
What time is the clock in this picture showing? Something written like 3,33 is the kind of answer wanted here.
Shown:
3,11
